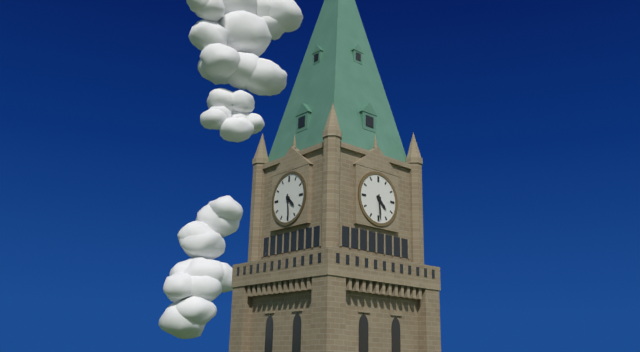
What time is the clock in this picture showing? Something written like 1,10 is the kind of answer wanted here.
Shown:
4,29
